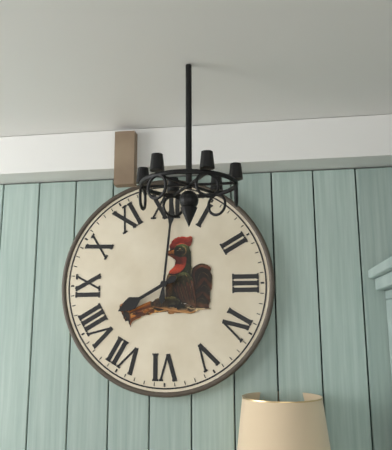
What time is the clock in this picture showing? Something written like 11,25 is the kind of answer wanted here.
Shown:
8,01
